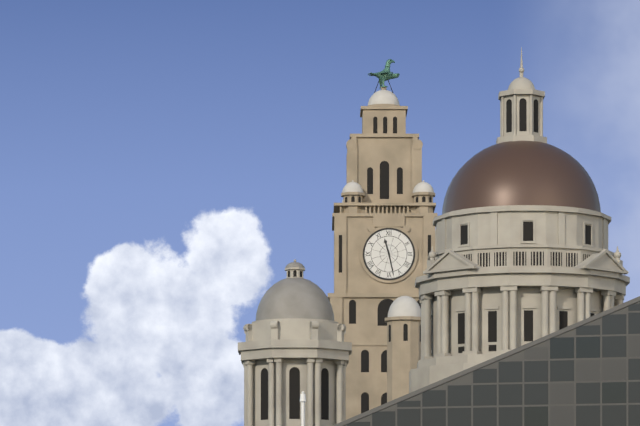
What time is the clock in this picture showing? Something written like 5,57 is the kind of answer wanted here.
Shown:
11,28
